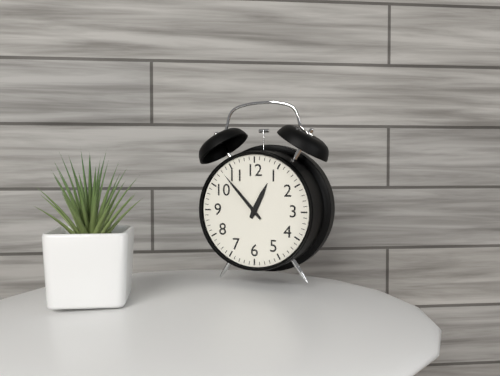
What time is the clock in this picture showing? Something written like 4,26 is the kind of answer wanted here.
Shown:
12,53
